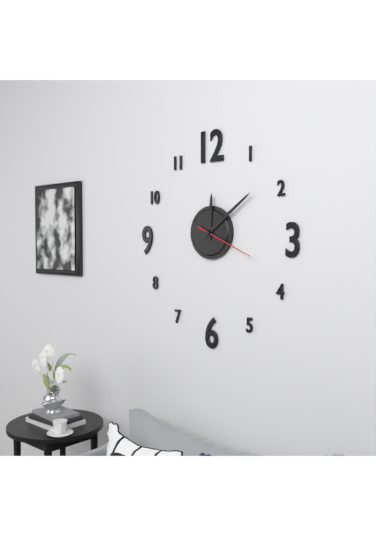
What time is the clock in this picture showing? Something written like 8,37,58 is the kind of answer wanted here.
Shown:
12,09,19
